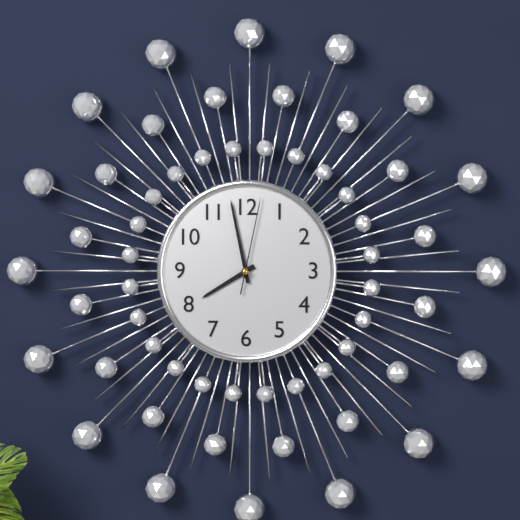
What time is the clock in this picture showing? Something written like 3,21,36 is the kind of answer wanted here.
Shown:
7,58,02
